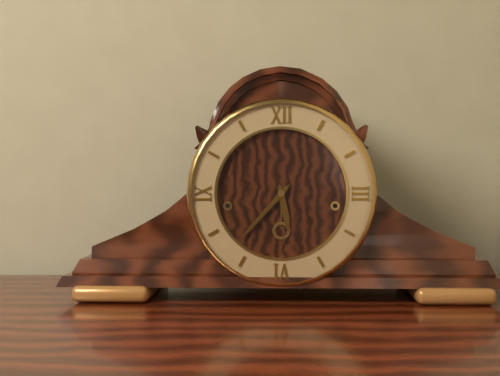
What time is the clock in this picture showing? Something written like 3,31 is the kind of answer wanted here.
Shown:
5,37
